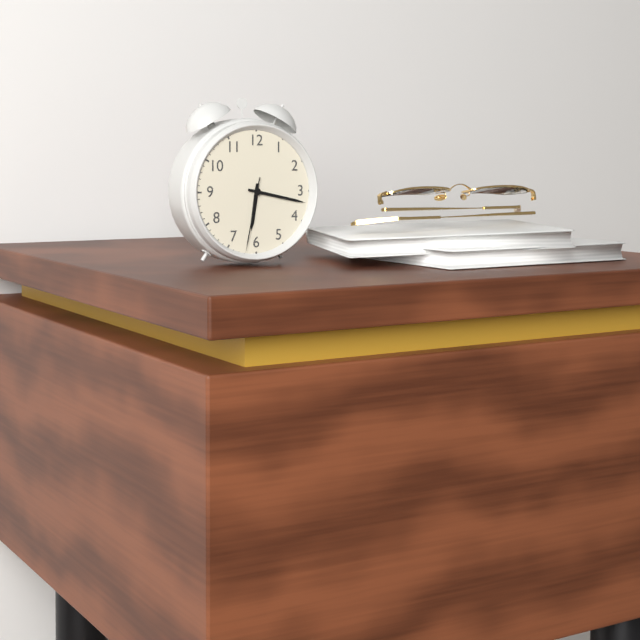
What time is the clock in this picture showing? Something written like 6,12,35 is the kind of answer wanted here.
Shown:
6,17,32
